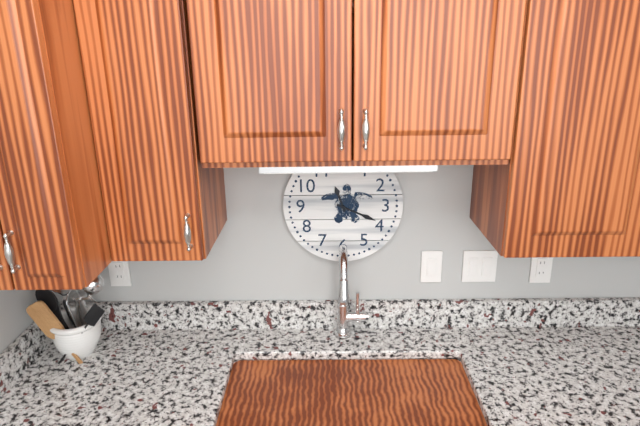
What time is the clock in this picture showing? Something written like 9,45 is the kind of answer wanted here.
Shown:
11,19
